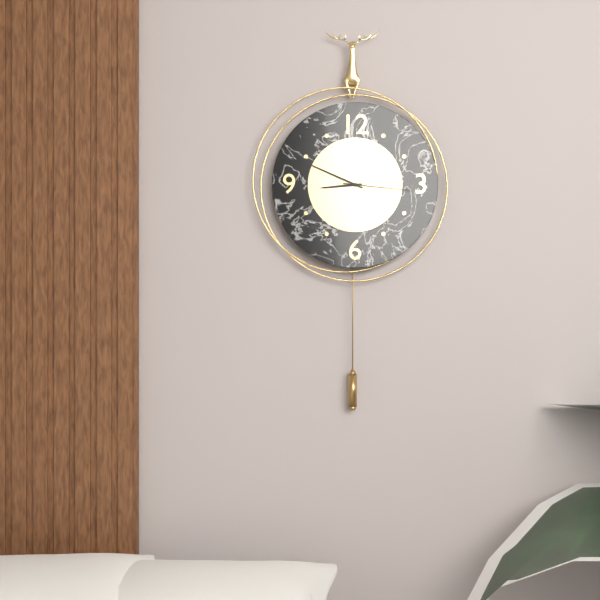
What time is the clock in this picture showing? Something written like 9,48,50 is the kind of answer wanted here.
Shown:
8,49,16
